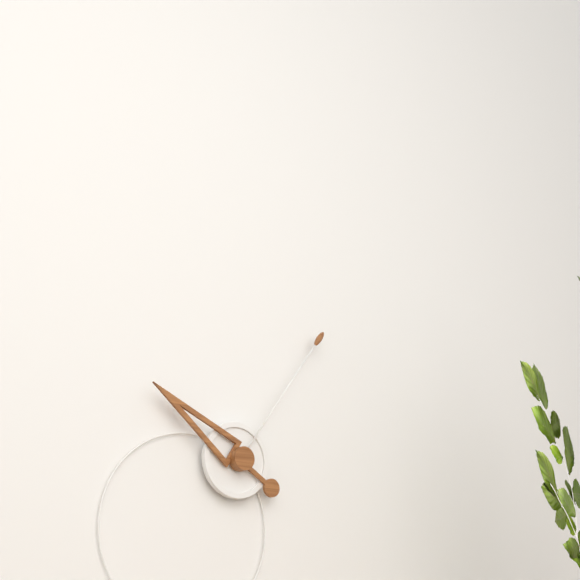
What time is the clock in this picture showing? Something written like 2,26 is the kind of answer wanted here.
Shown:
10,06
